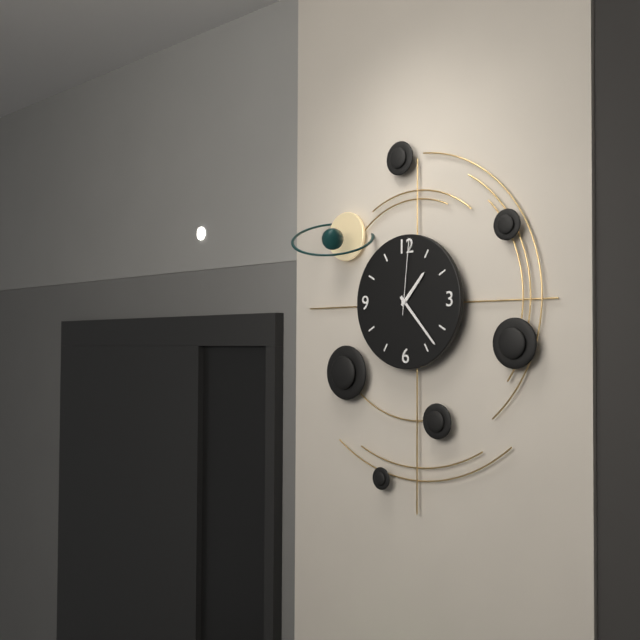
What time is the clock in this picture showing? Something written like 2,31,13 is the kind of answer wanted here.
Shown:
1,23,01
